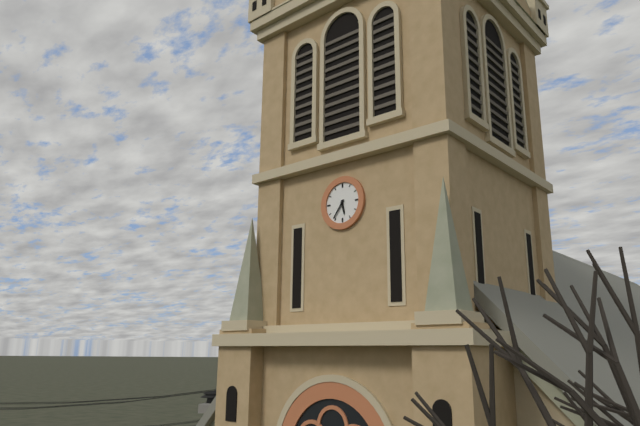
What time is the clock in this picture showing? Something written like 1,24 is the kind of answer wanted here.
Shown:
5,36
